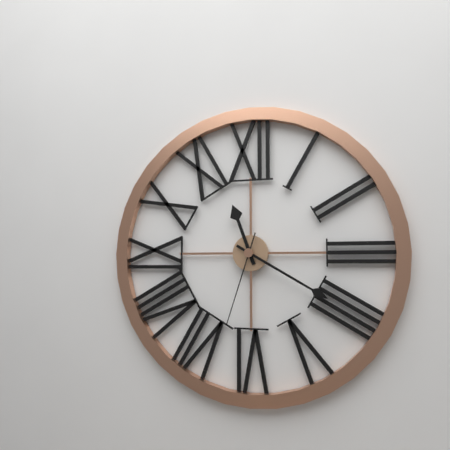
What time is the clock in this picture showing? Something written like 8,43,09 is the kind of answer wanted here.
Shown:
11,20,33
